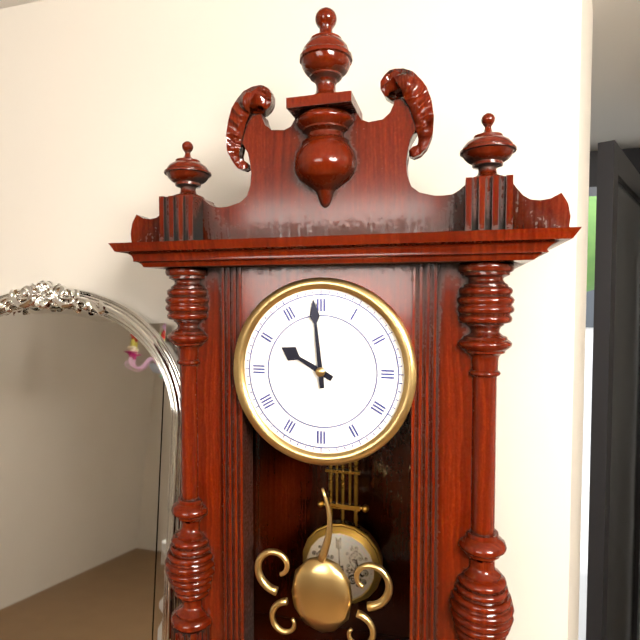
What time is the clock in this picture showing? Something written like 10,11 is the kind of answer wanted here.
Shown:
9,59
